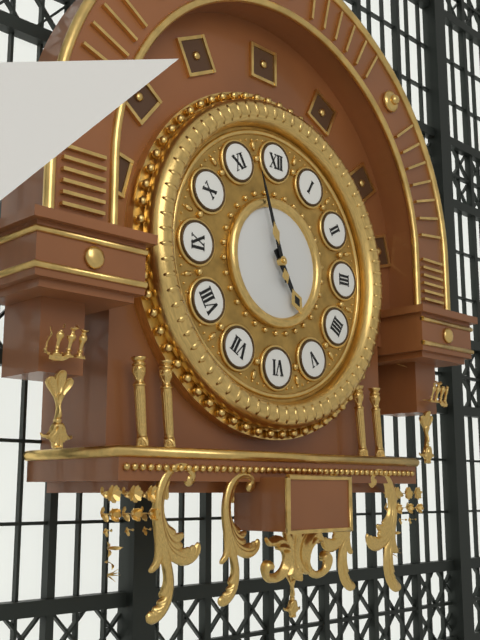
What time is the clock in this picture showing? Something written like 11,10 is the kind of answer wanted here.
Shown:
4,57
